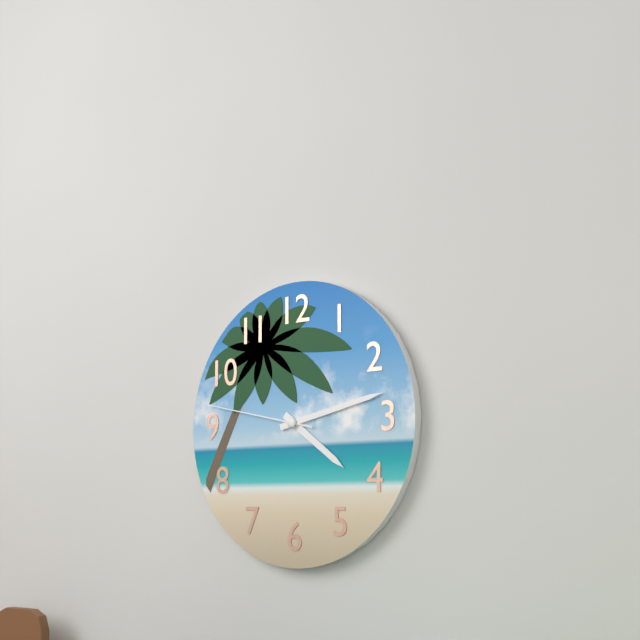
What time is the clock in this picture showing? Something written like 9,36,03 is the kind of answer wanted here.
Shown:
4,13,47
